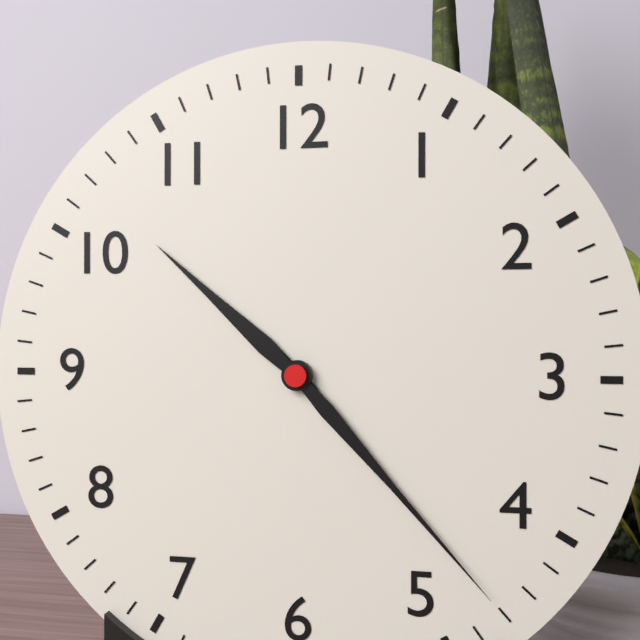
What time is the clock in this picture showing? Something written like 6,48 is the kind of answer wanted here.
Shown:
10,23
